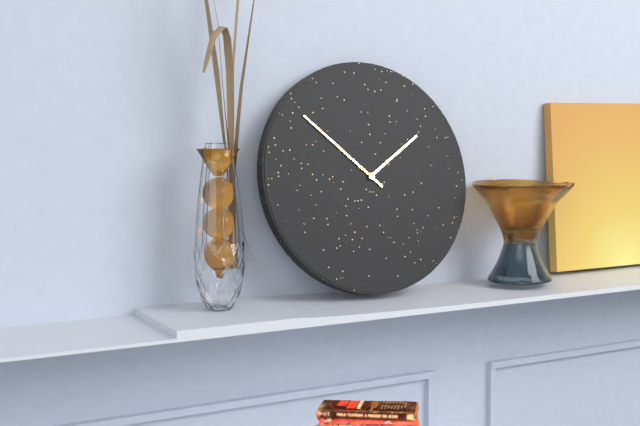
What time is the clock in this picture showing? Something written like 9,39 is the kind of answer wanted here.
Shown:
1,52
